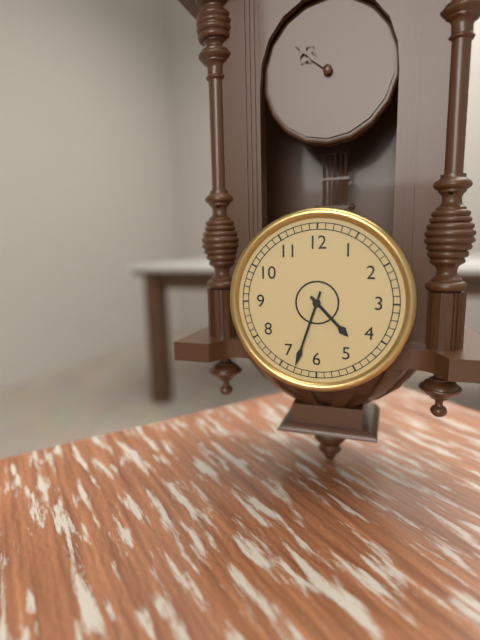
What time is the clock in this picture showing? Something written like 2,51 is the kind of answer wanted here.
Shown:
4,33
